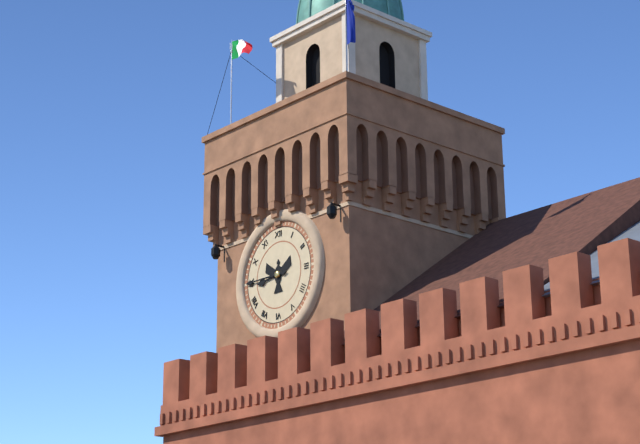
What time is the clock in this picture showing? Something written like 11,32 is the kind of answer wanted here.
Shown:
8,45
